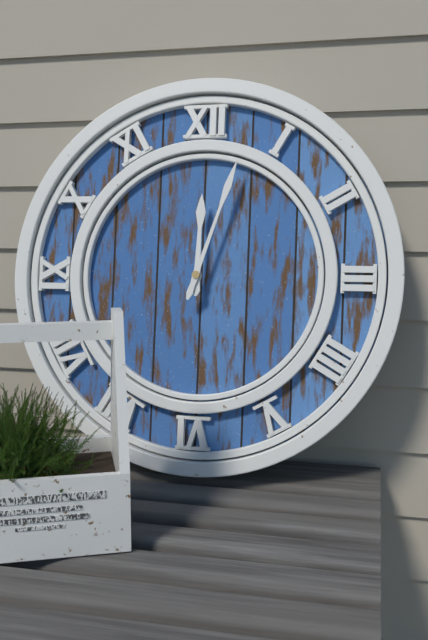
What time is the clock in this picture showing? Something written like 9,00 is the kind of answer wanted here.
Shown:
12,03
